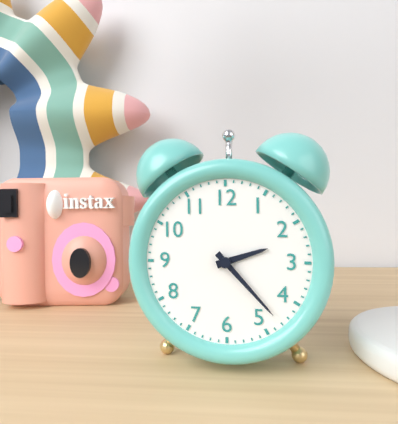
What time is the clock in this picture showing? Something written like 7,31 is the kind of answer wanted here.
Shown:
2,23
